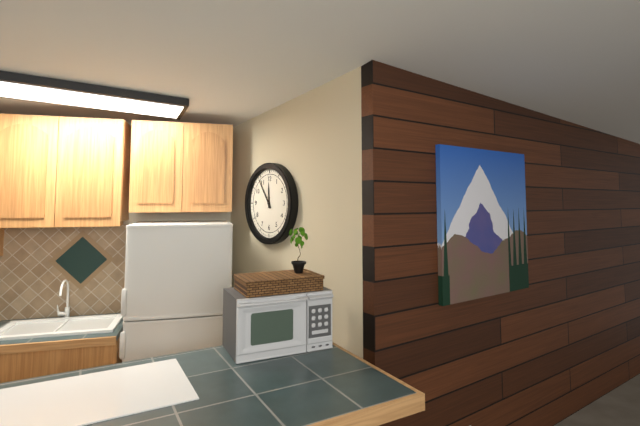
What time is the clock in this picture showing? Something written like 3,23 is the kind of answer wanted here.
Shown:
11,54
